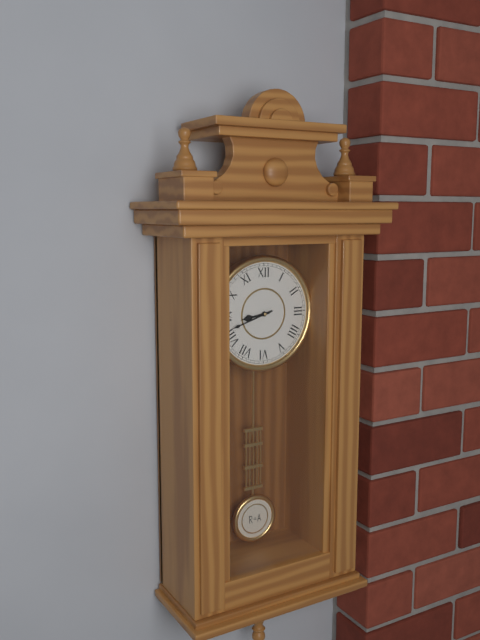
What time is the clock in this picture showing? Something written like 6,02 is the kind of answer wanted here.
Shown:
8,42
